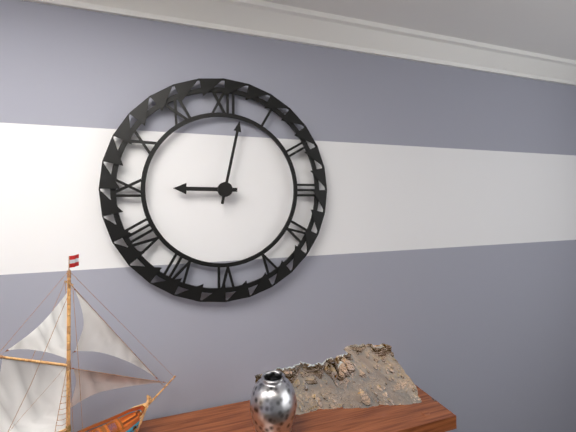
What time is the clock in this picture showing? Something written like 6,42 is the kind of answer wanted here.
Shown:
9,02
